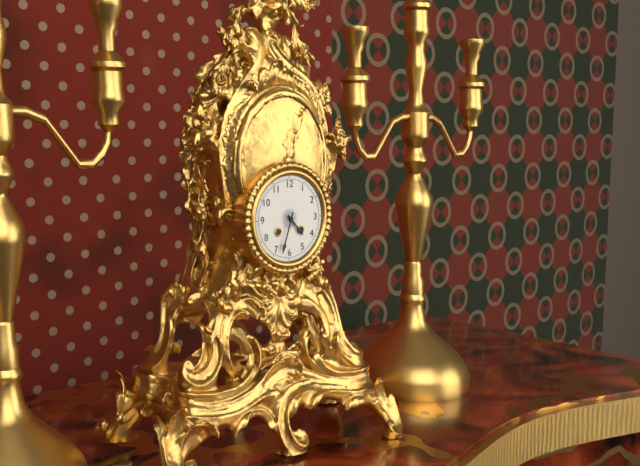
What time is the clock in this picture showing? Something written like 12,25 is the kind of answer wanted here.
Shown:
4,33
